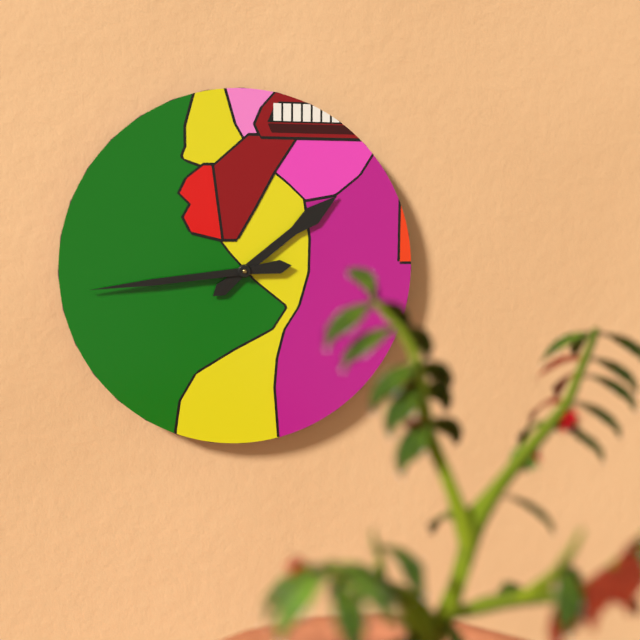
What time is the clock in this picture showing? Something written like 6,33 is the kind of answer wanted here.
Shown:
1,44
